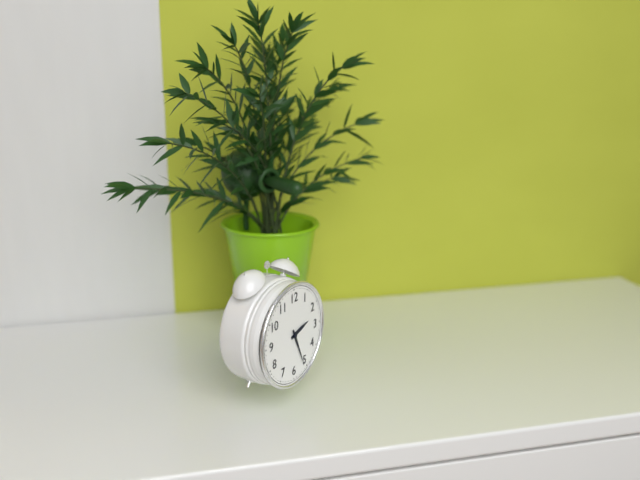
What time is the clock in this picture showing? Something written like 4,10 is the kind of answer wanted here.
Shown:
2,26
